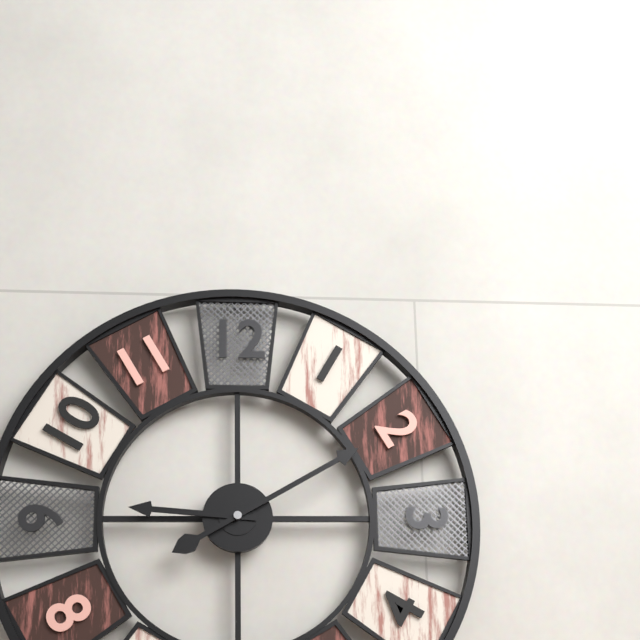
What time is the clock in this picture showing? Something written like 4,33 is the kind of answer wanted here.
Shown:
9,10
